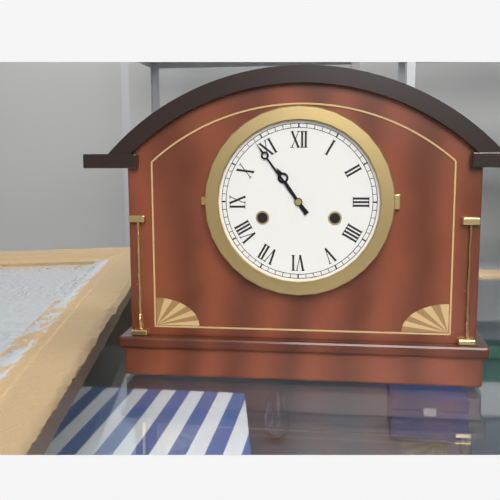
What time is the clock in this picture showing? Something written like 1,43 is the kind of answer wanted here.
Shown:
10,54
